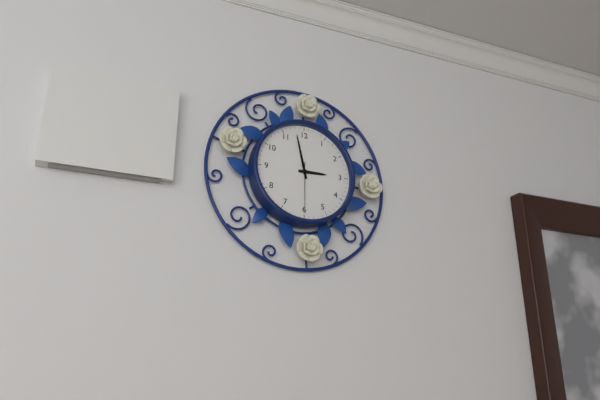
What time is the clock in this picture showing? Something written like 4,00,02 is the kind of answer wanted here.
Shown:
2,58,30
